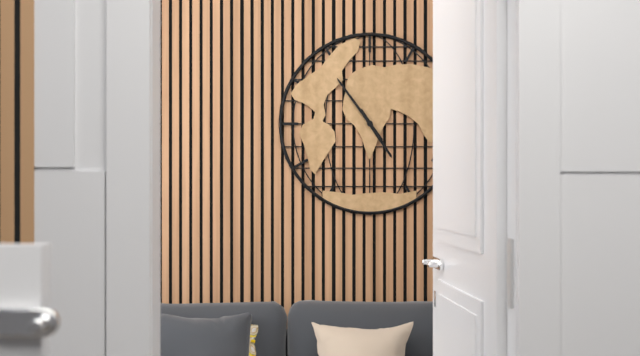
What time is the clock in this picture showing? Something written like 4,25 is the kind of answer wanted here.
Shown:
4,54
